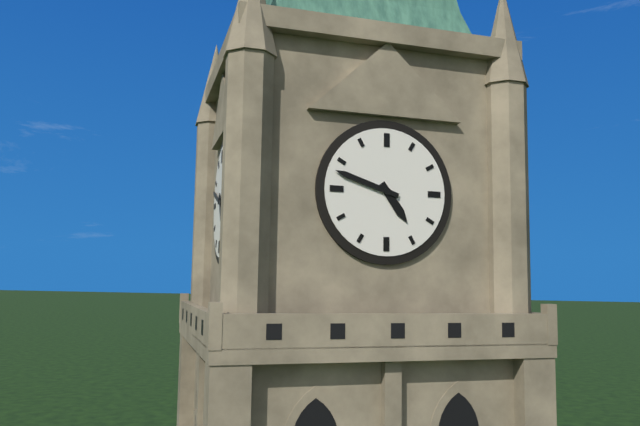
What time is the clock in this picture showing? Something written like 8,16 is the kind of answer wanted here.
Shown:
4,48
